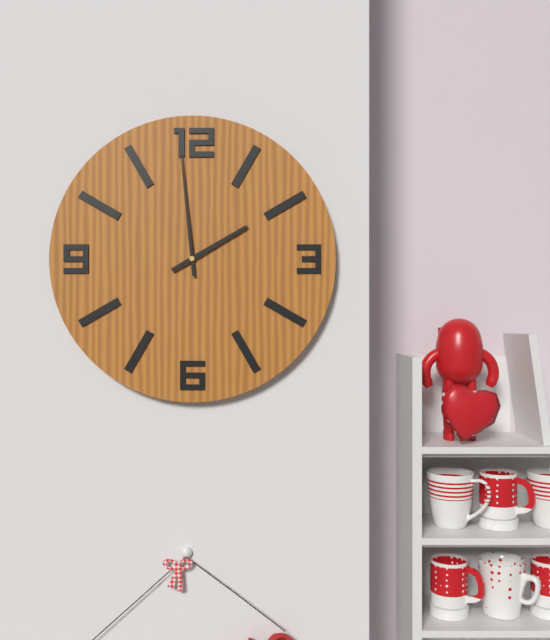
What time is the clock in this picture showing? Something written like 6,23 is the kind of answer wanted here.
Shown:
1,59
